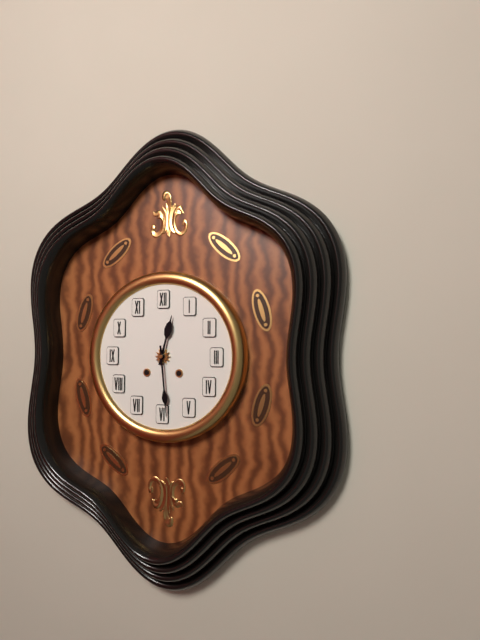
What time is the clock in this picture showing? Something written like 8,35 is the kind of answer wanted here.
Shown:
12,29
